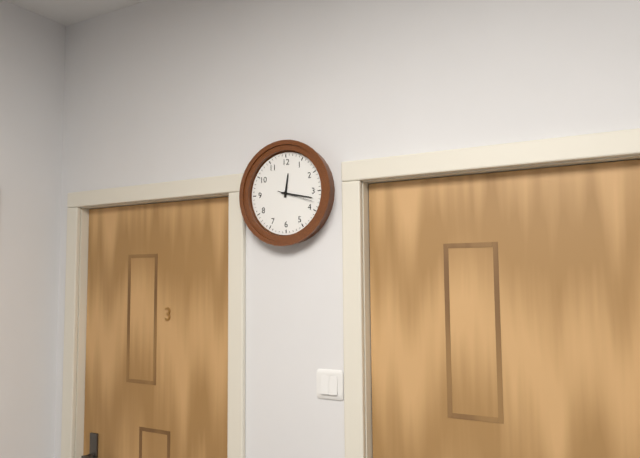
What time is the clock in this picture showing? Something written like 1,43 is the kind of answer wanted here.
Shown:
12,17
